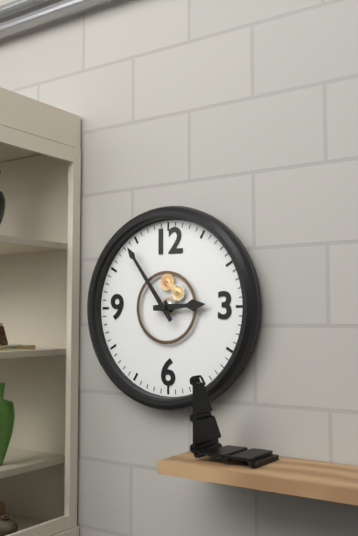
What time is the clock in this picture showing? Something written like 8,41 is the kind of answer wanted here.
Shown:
2,54
